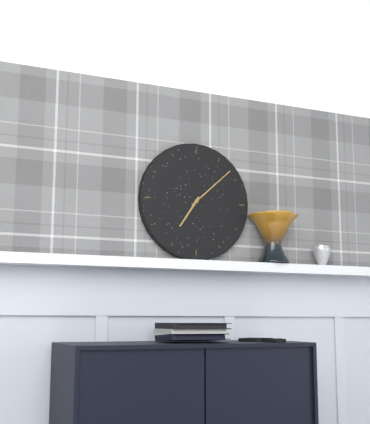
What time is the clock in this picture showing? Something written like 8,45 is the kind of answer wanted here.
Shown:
7,08
